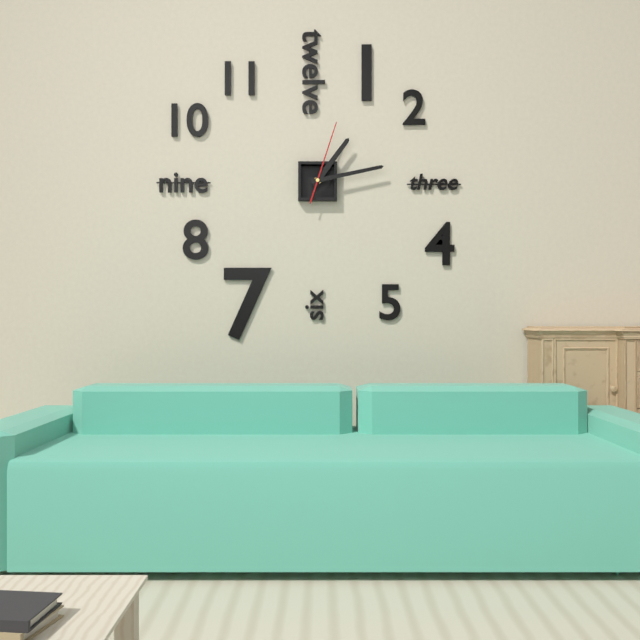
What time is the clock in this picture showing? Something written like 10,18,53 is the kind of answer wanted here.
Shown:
1,13,03
